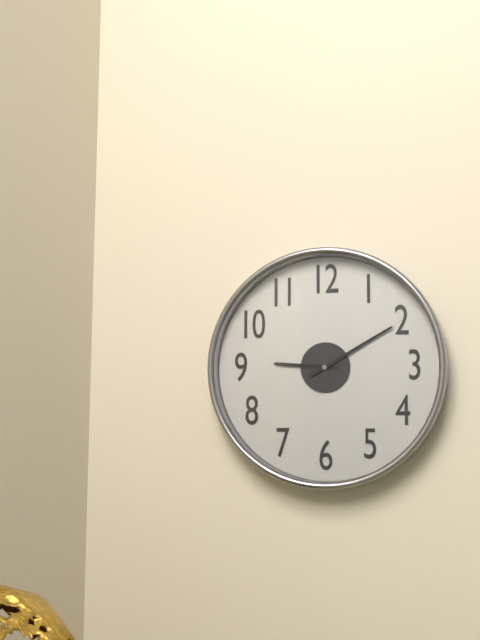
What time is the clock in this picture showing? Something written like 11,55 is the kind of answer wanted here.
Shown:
9,10
